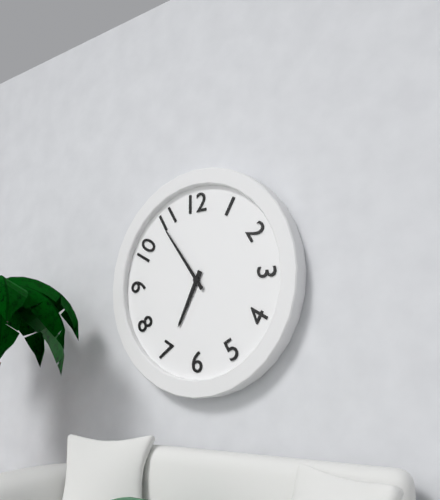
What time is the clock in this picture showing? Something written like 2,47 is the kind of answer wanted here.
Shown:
6,54
